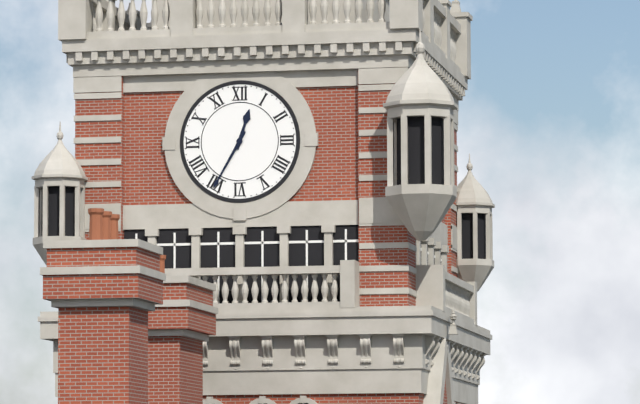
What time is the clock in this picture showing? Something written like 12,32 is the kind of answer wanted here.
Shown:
12,35
